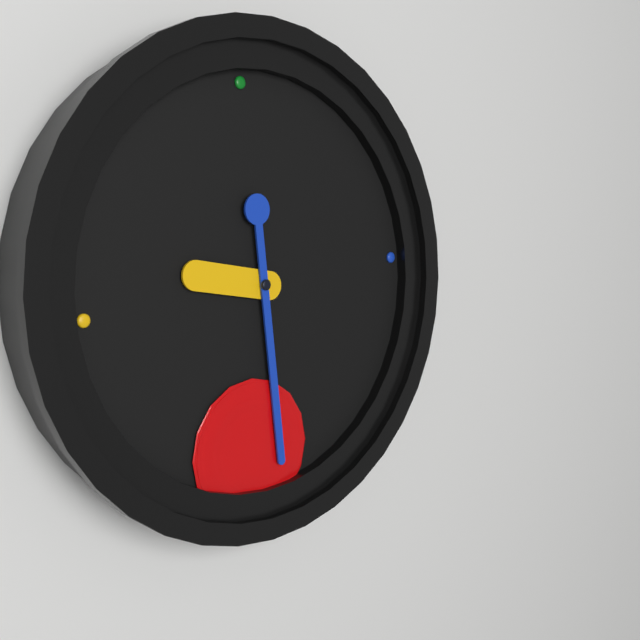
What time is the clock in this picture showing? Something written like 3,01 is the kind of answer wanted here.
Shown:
9,30
